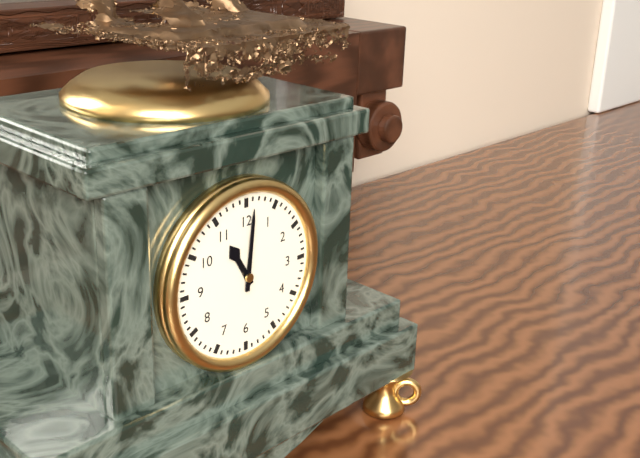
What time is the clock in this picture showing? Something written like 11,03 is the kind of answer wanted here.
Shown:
11,01
